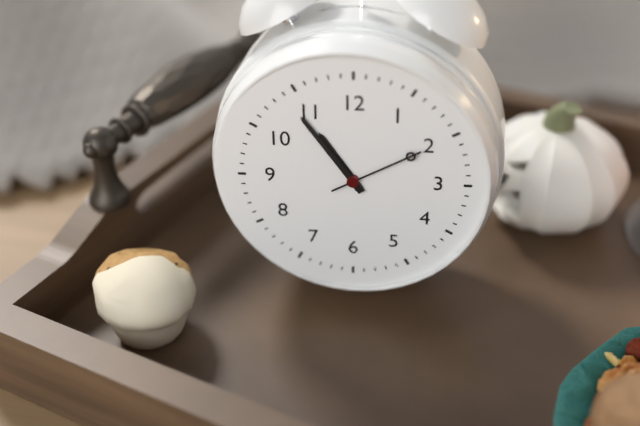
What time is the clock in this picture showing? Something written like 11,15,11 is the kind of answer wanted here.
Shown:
10,54,10
